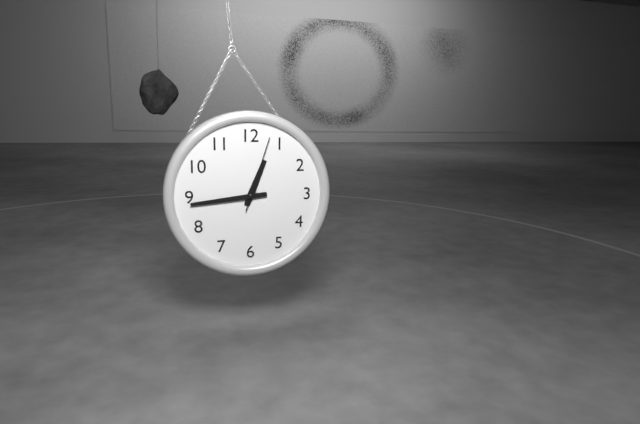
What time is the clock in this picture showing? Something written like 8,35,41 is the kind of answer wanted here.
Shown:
12,44,03
